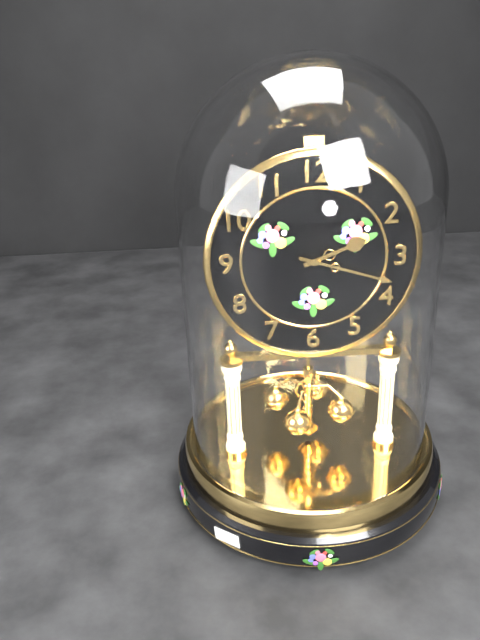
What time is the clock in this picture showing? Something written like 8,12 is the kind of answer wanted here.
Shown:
2,18
